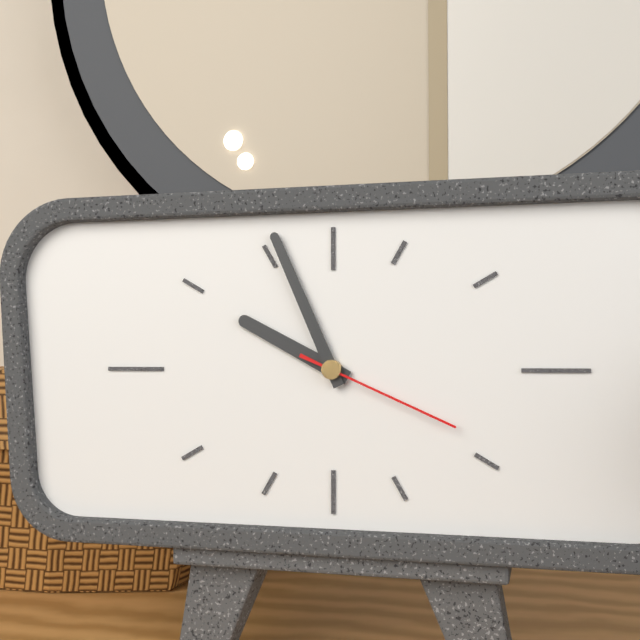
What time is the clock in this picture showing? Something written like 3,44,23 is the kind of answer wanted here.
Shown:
9,56,19
